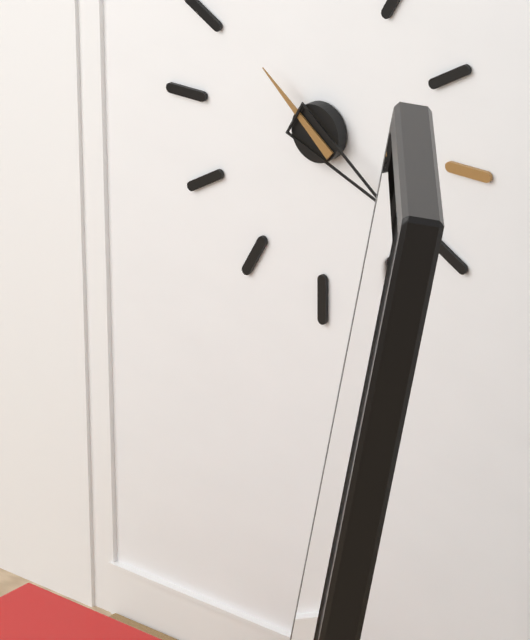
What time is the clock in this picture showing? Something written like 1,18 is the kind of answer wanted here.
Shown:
10,20
